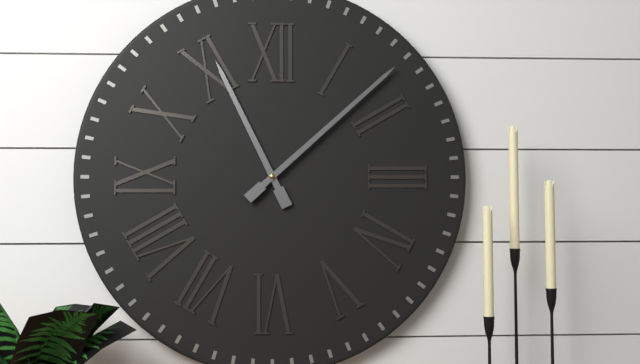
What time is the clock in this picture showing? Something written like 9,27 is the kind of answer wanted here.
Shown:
11,08
